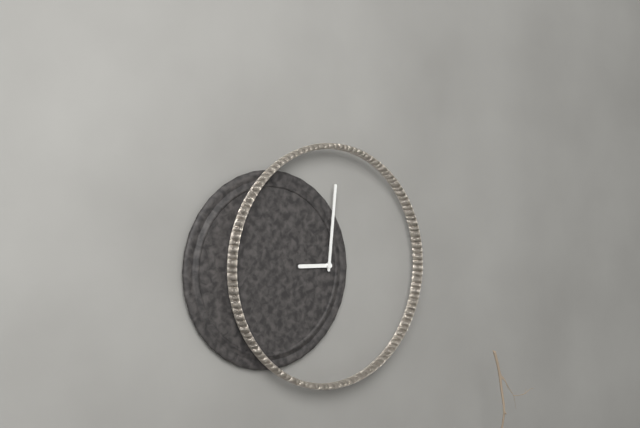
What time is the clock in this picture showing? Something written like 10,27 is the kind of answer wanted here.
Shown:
9,01
